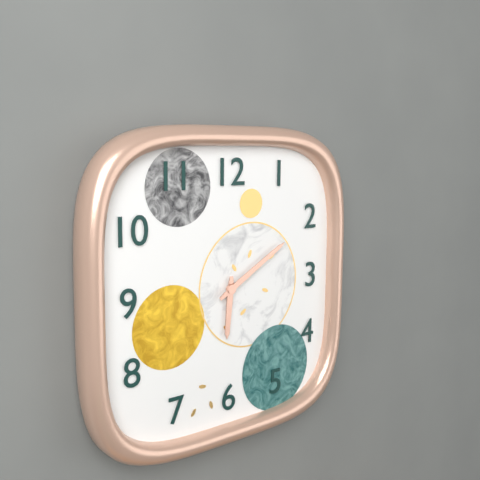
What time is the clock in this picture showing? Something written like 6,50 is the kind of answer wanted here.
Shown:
6,10
